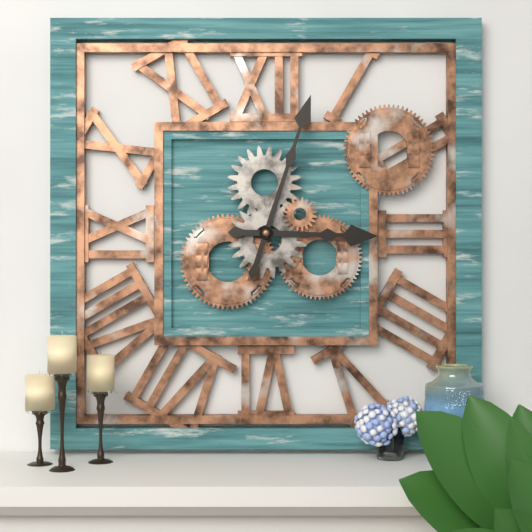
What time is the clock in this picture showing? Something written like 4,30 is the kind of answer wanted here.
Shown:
3,03
